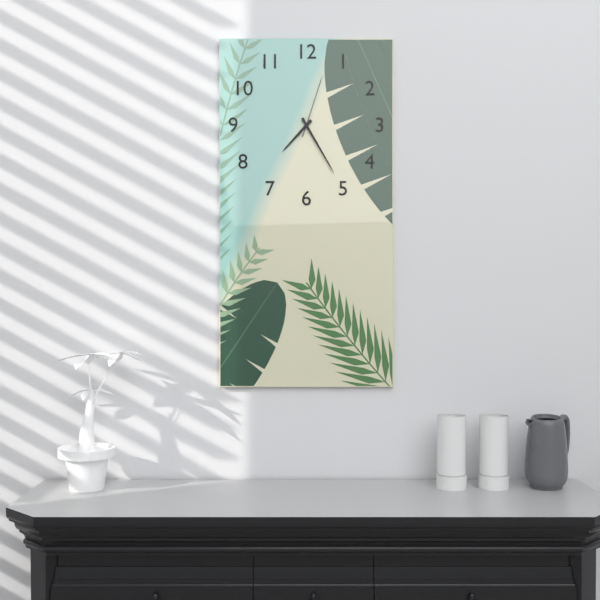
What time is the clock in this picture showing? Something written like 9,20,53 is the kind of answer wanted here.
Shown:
7,25,03
